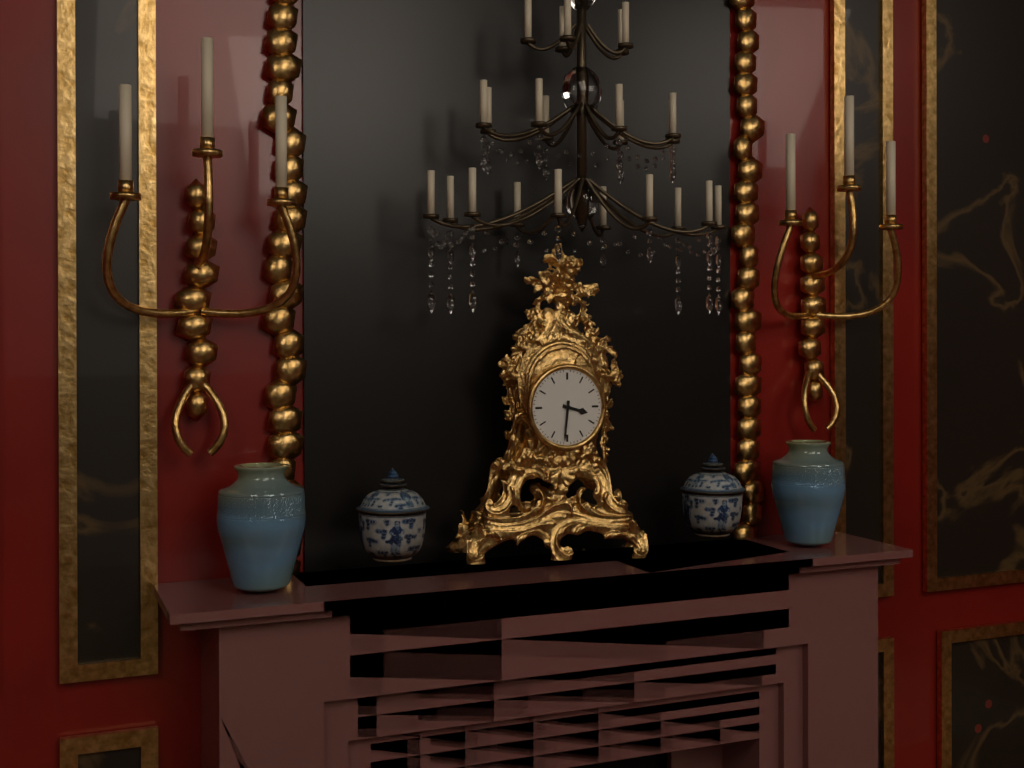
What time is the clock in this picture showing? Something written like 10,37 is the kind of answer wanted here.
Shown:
3,31
